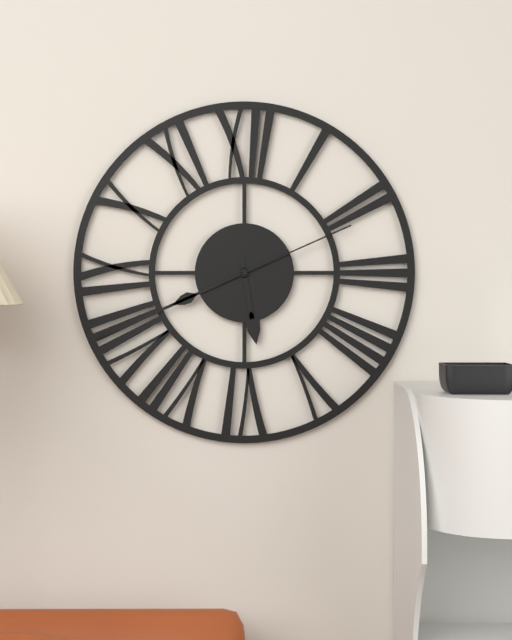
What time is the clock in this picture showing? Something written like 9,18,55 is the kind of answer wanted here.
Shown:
5,41,11
